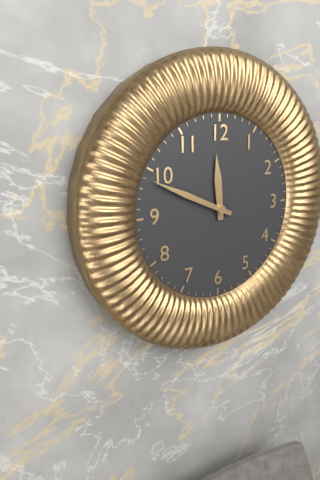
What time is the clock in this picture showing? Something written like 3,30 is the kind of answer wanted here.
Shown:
11,49
